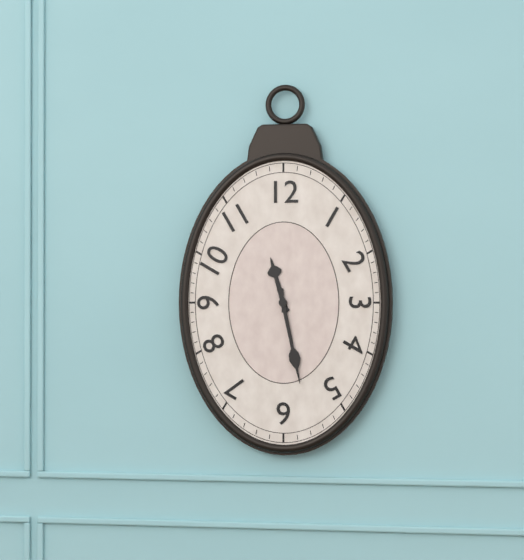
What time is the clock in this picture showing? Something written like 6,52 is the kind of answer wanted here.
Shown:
11,28
